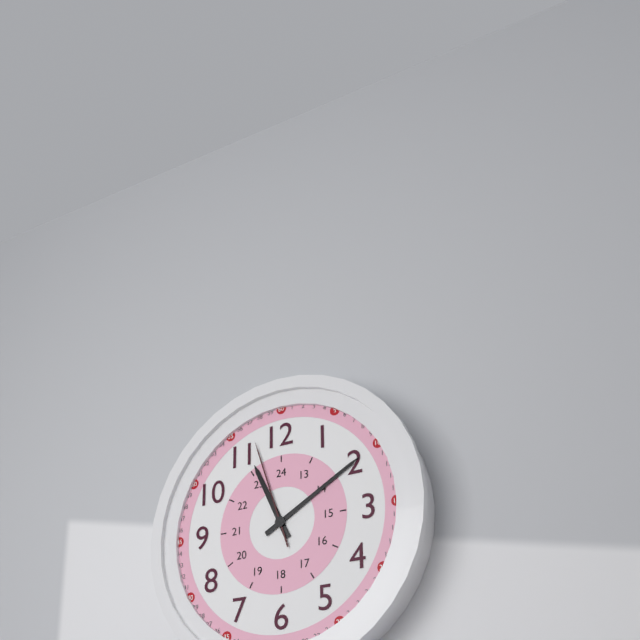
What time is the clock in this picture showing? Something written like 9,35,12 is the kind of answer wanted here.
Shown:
11,10,57
